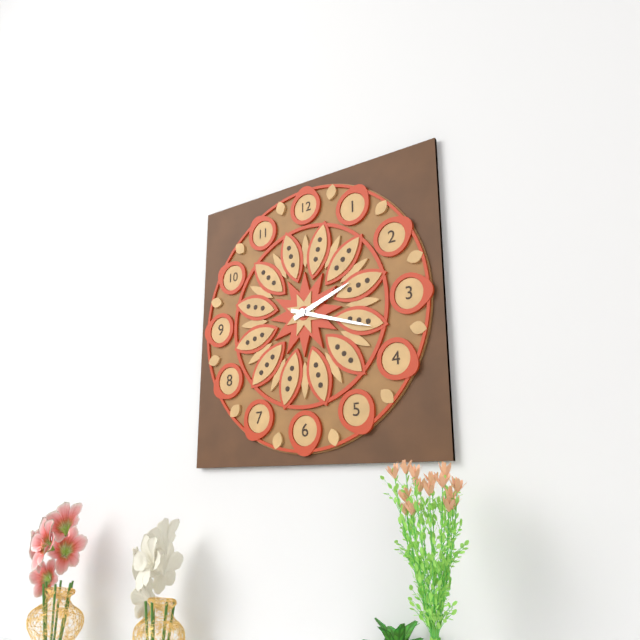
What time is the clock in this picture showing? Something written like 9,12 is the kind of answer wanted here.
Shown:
2,18
